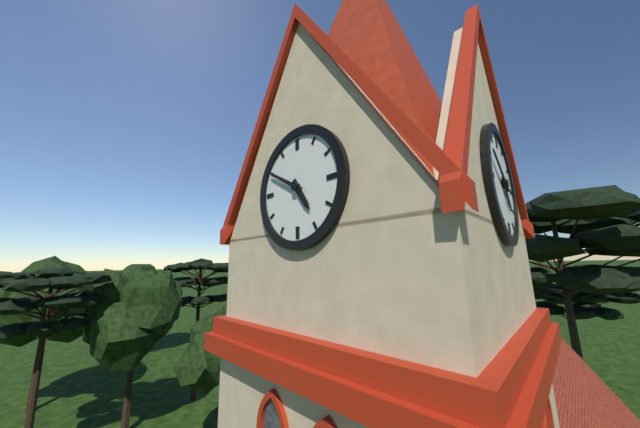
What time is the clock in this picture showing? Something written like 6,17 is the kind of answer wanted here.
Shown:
4,50
